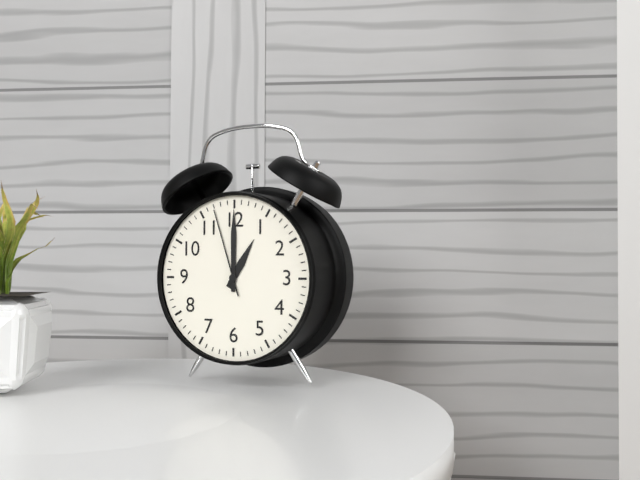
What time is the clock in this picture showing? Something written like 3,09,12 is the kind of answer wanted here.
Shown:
1,00,57
